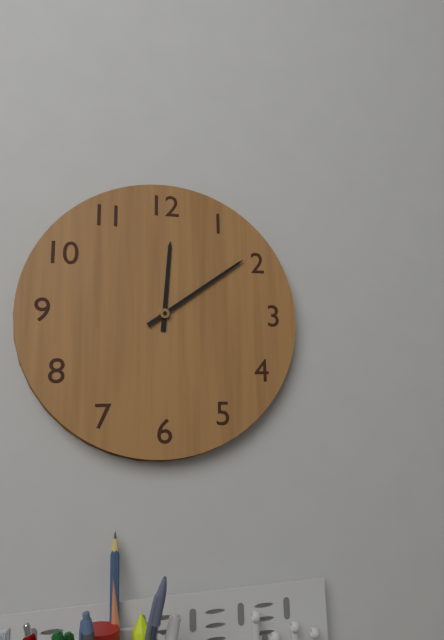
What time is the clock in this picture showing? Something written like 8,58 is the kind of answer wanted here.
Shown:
12,09
